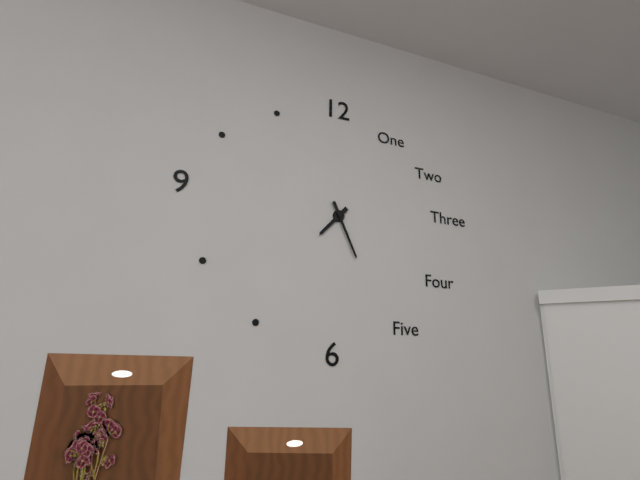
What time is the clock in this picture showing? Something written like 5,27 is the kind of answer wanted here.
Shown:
7,26
